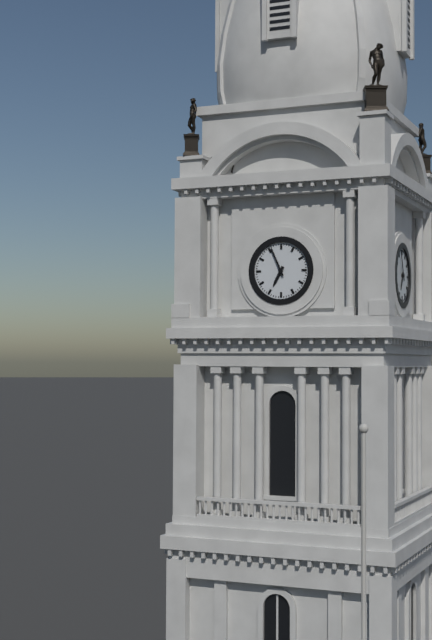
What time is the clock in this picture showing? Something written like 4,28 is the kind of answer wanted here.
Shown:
6,56
